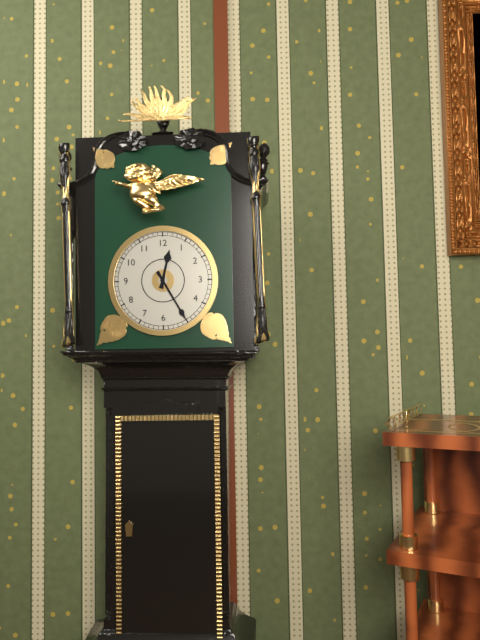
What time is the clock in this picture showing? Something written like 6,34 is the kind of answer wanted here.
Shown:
12,25
